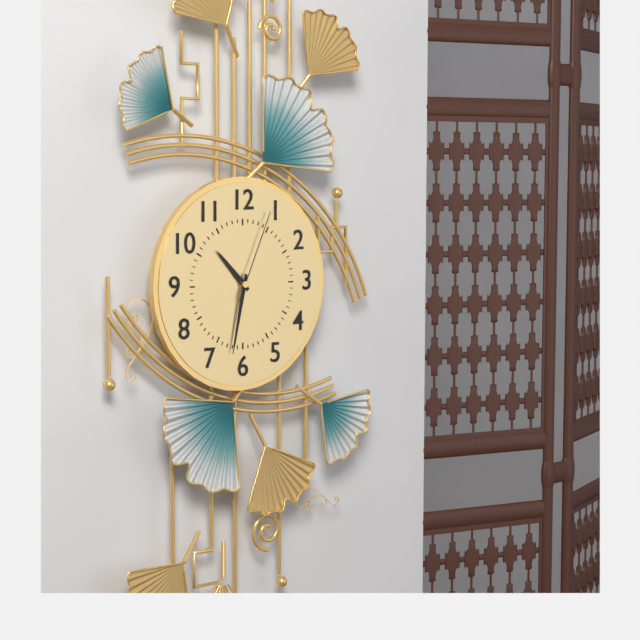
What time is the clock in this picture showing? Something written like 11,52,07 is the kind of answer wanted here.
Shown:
10,32,04
